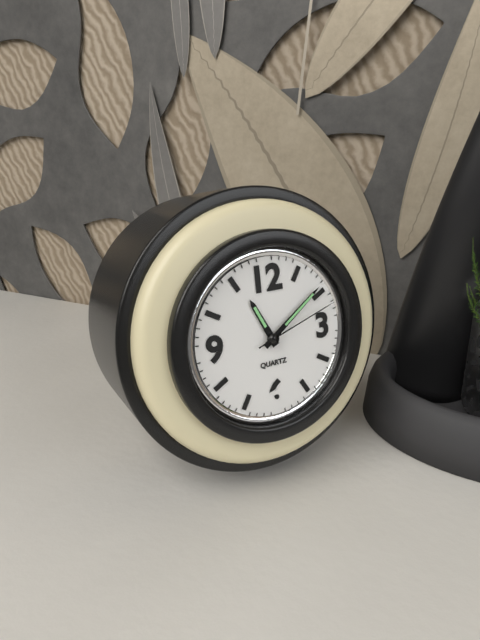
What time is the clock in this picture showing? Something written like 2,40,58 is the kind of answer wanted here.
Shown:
11,09,12
